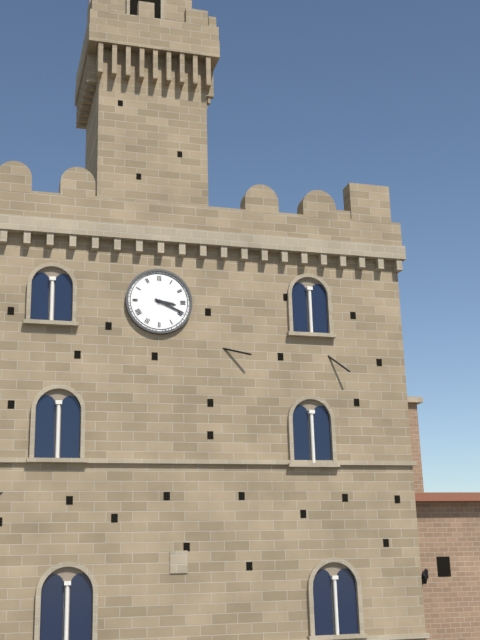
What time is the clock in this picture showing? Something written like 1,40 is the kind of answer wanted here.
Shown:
3,19
